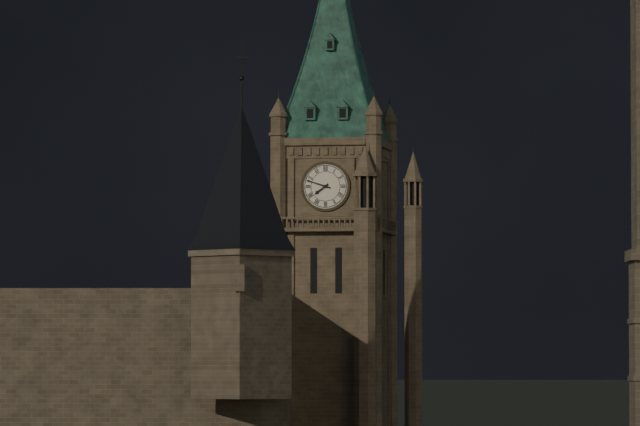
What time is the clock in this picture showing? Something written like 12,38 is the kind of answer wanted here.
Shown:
7,48
